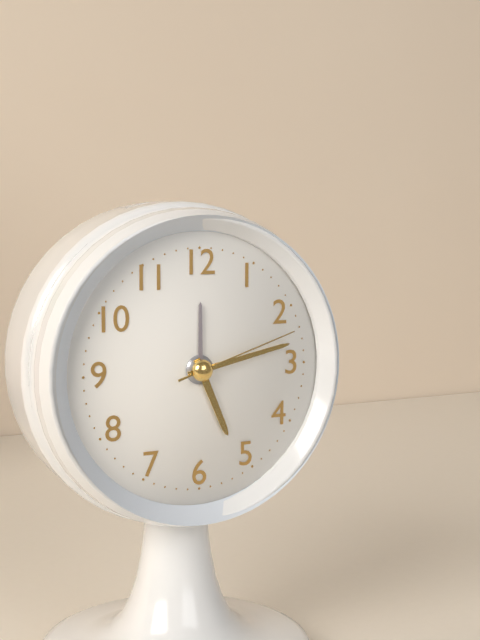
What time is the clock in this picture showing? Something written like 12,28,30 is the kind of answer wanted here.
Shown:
5,13,12
